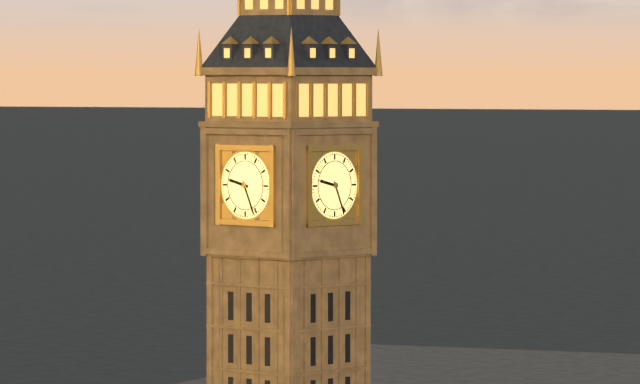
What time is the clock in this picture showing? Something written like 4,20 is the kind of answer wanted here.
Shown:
9,26
